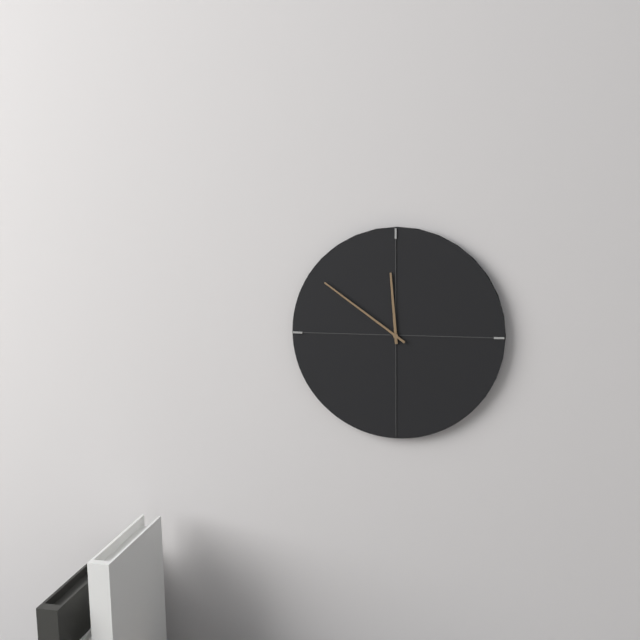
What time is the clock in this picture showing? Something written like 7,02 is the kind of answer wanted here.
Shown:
11,51
